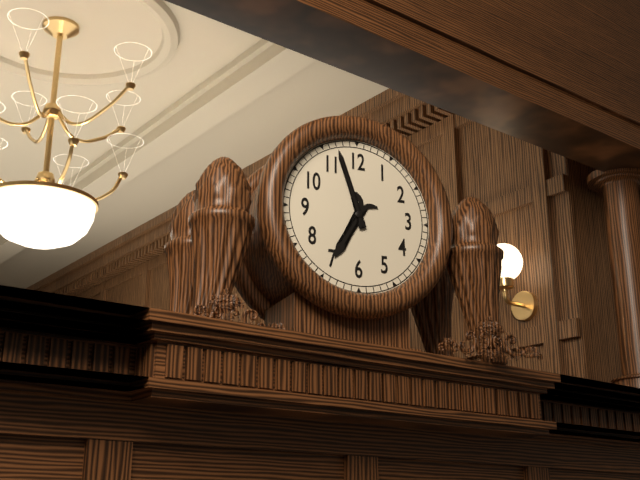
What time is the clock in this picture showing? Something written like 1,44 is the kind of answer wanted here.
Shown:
6,57
